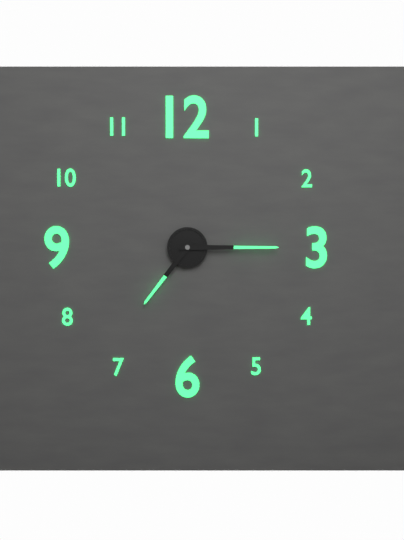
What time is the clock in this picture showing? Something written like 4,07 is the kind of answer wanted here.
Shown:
7,15
